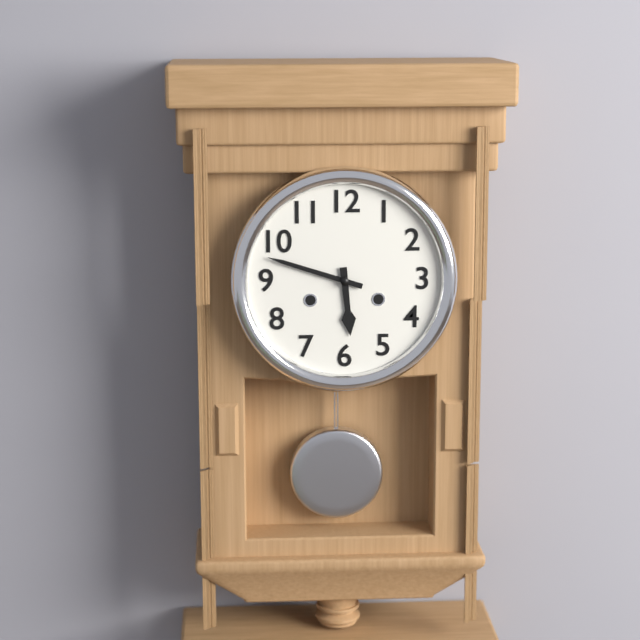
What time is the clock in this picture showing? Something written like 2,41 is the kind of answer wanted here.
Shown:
5,48
